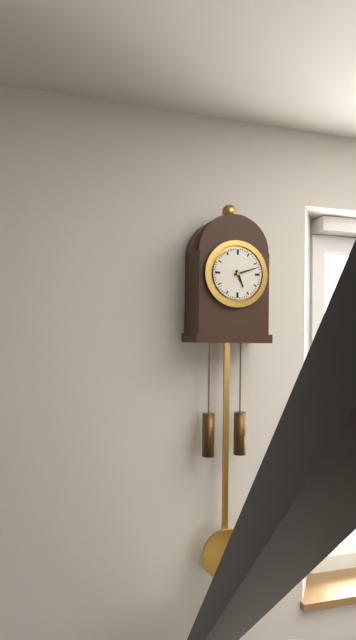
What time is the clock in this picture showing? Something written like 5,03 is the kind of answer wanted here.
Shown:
5,12
